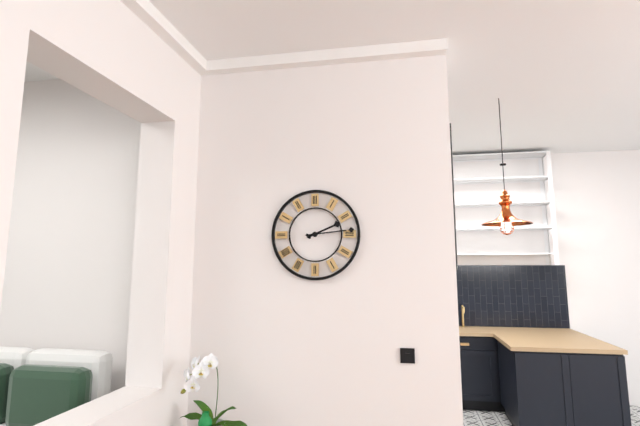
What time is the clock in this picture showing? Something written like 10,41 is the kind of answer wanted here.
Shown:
2,14
